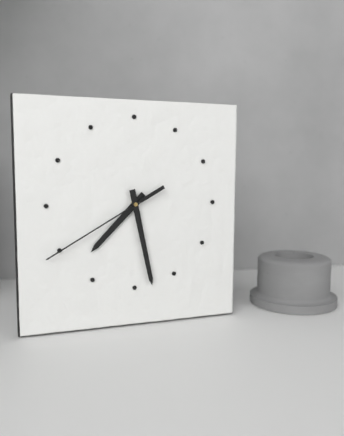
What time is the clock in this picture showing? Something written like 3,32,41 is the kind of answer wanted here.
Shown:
7,28,40
